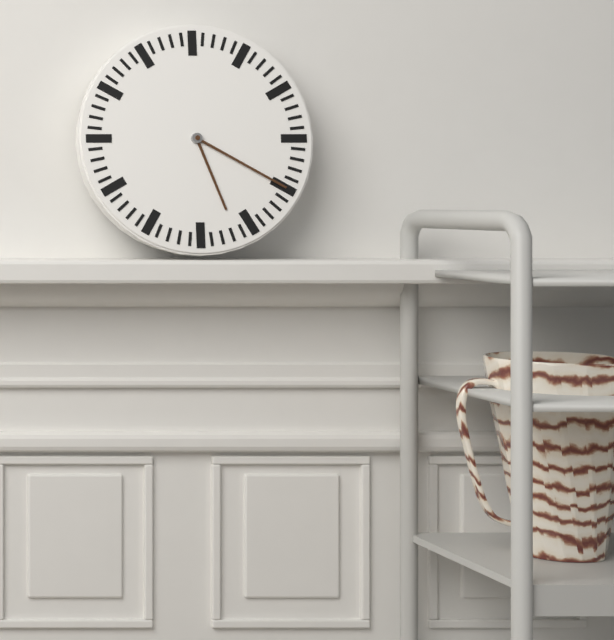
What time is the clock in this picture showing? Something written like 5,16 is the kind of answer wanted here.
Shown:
5,20
